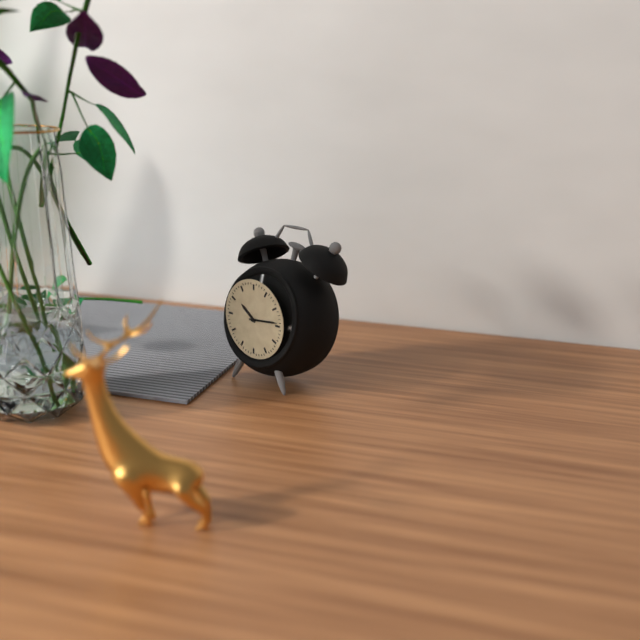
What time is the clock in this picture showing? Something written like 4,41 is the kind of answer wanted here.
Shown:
10,14
